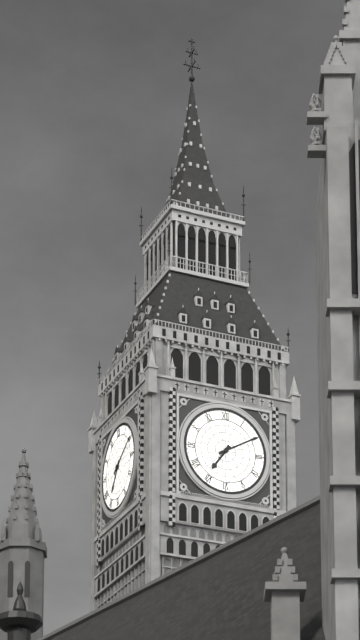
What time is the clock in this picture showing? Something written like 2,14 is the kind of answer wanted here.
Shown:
7,10
